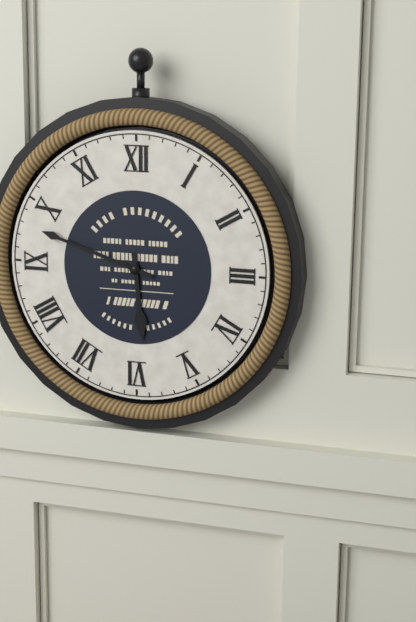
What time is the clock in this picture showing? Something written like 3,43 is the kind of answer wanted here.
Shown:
5,48
